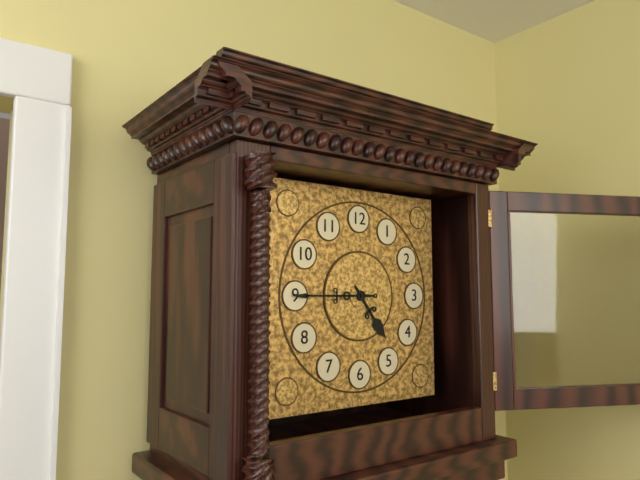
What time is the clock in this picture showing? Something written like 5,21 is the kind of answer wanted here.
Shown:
4,45
